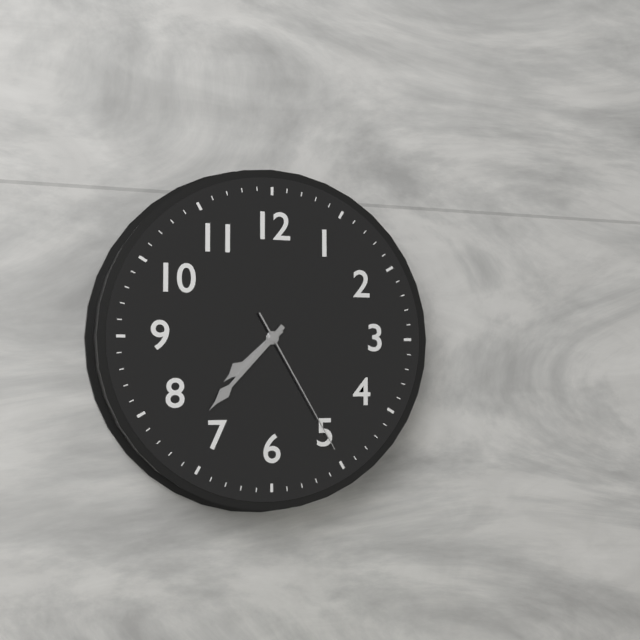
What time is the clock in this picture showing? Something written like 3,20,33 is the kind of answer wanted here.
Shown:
7,37,25
